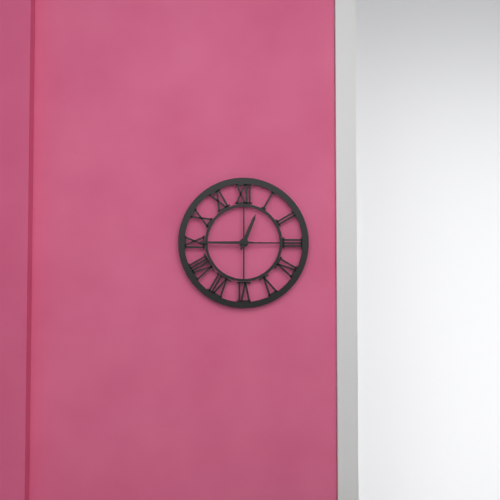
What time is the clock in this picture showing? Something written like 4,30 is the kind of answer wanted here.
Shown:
12,45
